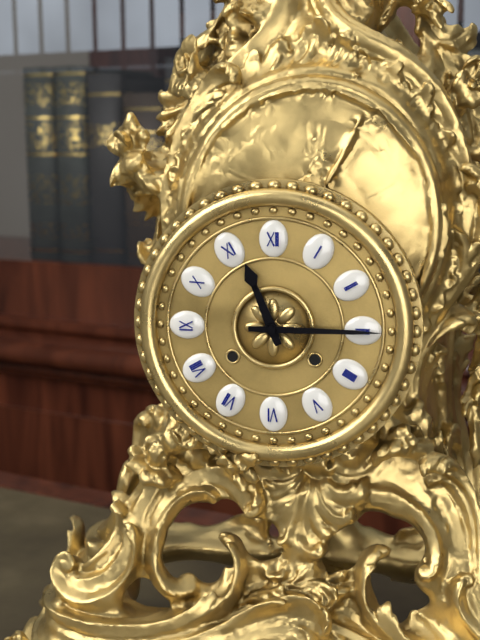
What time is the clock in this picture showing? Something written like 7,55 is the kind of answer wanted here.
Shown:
11,15
